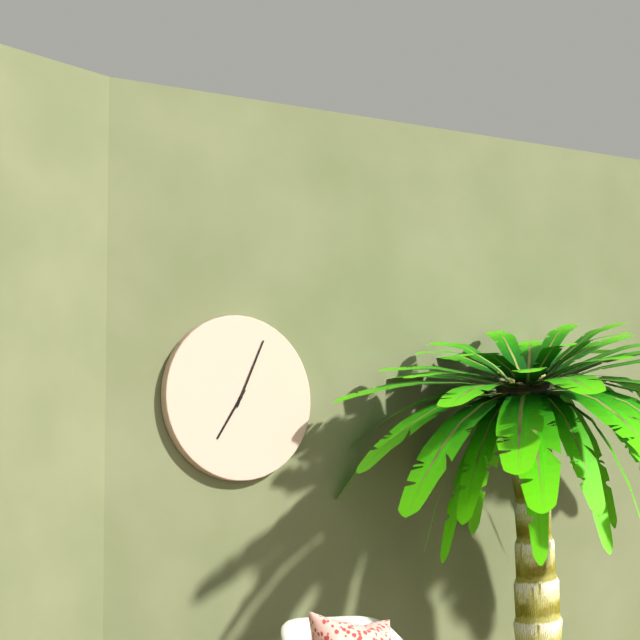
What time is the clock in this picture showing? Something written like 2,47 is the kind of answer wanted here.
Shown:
7,04
